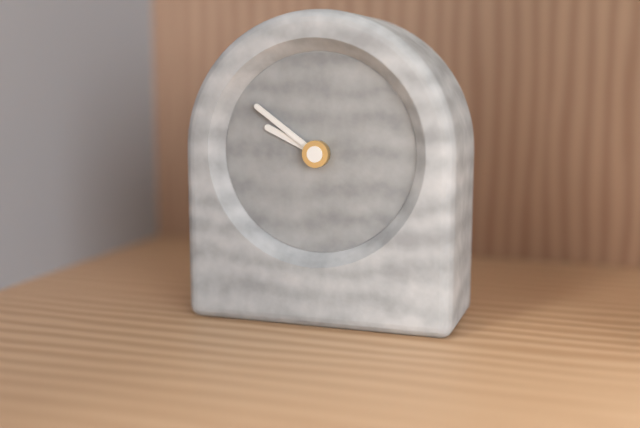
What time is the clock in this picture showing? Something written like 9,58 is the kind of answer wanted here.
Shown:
9,51
